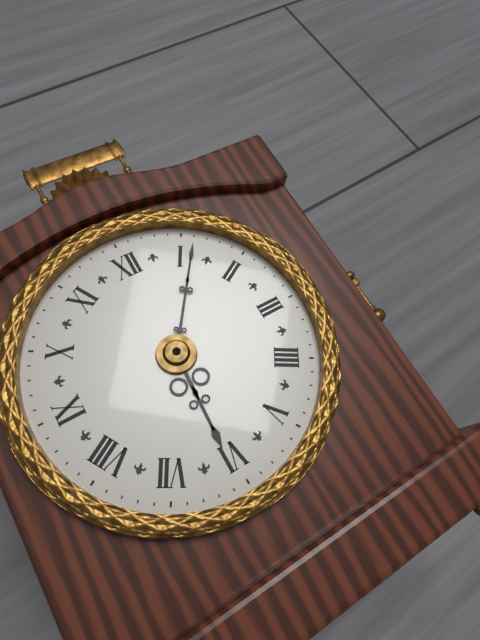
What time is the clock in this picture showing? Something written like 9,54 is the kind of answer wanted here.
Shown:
6,06
